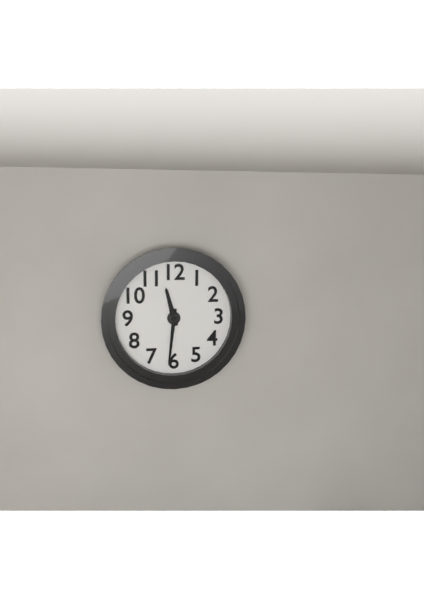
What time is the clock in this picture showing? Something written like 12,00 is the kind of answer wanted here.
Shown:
11,31
